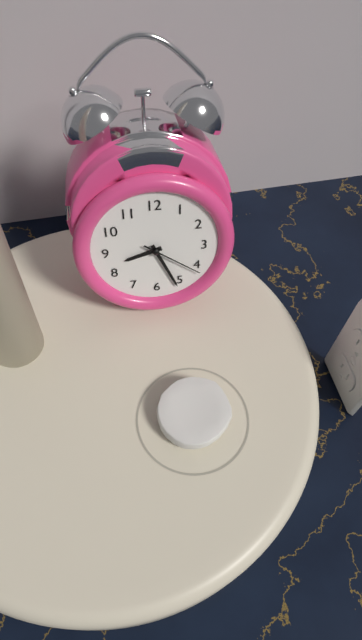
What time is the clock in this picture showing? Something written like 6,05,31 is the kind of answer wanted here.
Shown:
8,26,21
